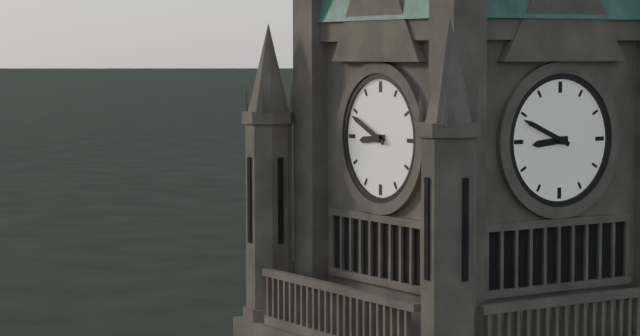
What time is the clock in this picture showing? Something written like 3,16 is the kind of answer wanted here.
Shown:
8,49
